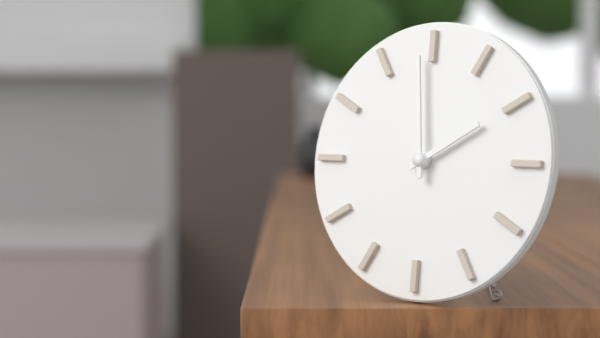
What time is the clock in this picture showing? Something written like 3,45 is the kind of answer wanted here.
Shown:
1,59
